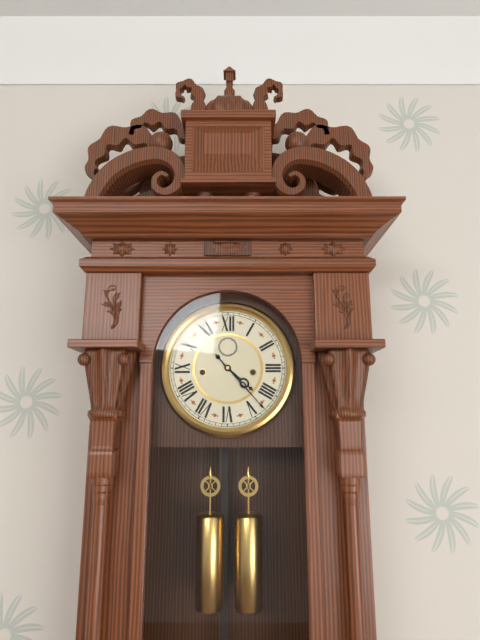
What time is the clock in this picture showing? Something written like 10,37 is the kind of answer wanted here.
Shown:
4,23
